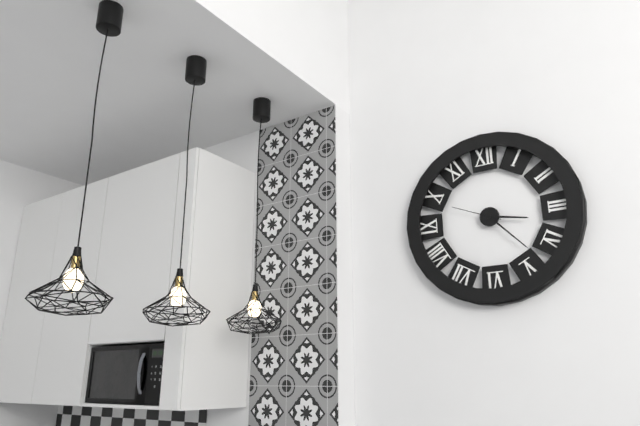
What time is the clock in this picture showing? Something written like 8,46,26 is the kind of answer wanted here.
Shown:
3,23,49
